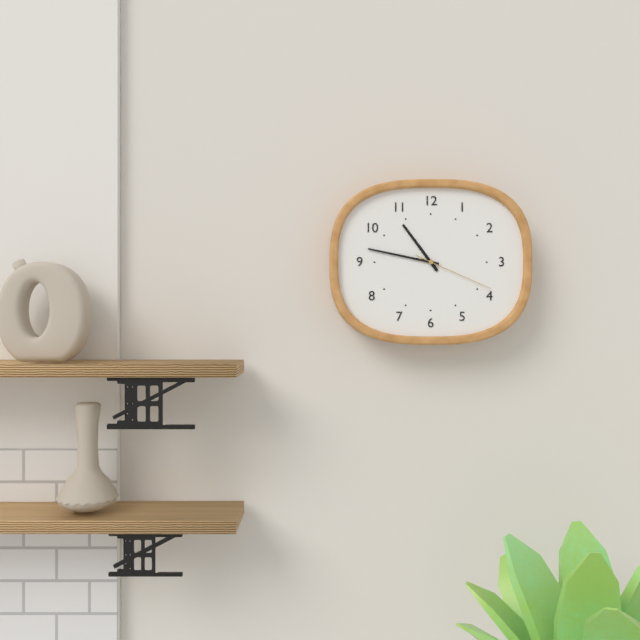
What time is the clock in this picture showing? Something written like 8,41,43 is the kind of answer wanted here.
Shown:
10,47,19
